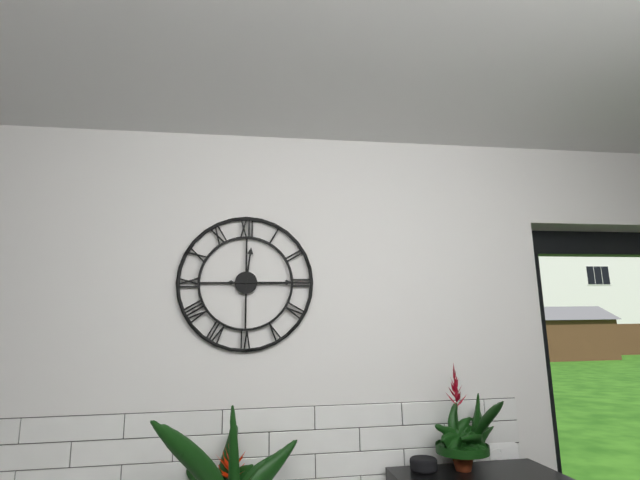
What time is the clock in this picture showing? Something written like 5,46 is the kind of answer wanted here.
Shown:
12,15
